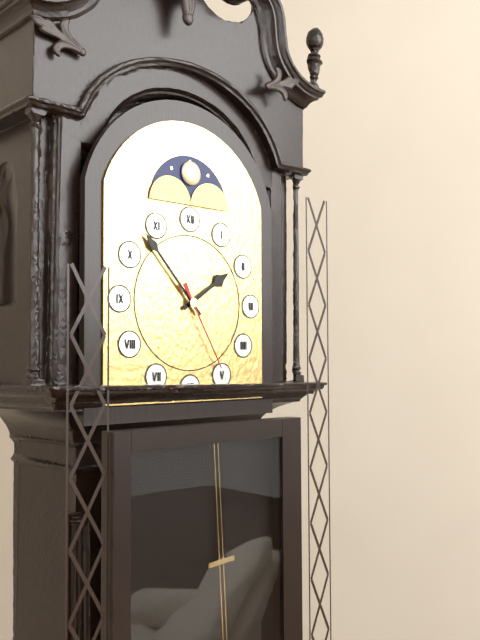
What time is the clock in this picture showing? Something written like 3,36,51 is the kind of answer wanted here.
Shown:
1,53,25
